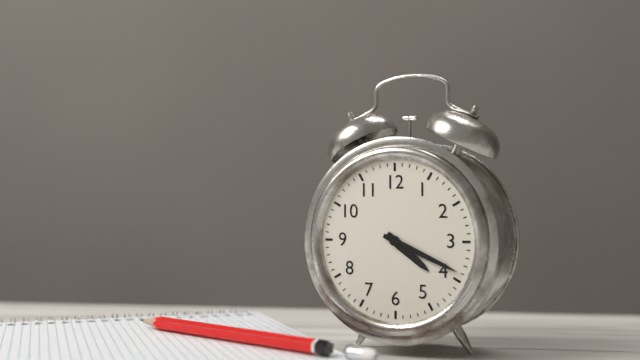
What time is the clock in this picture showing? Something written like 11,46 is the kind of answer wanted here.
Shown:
4,19
